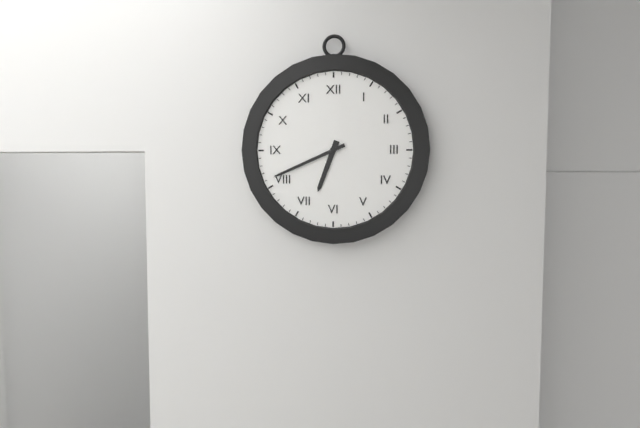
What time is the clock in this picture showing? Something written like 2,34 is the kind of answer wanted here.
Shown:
6,41
